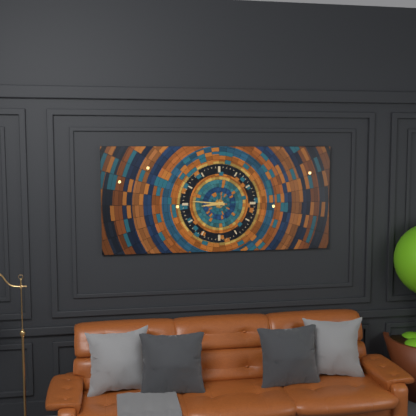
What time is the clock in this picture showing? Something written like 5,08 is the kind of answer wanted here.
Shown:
8,46
